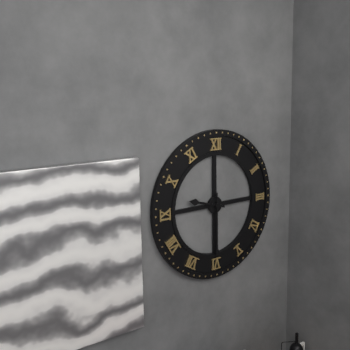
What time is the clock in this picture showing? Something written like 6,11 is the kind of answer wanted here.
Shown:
9,30
